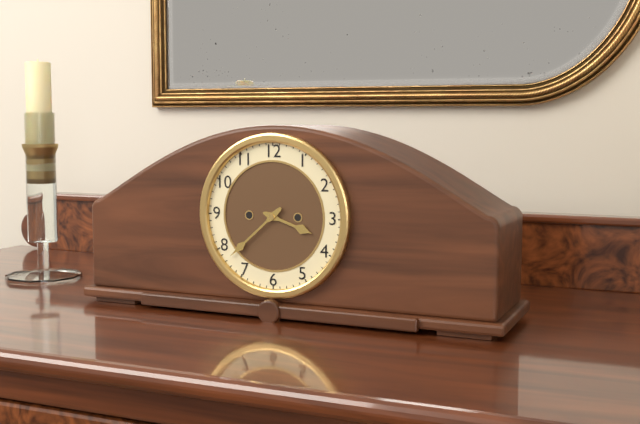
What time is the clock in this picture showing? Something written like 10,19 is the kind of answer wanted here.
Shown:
3,38
